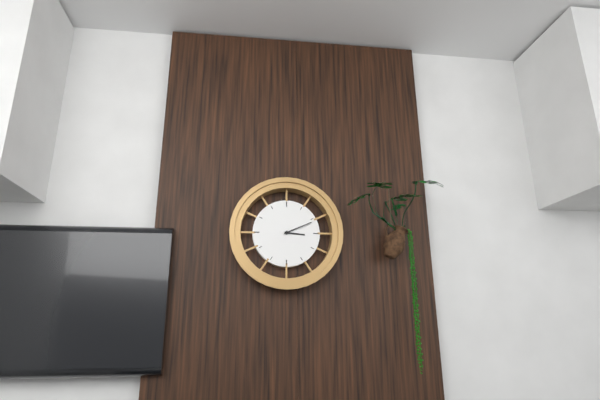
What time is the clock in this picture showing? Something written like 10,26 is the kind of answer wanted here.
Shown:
3,11
